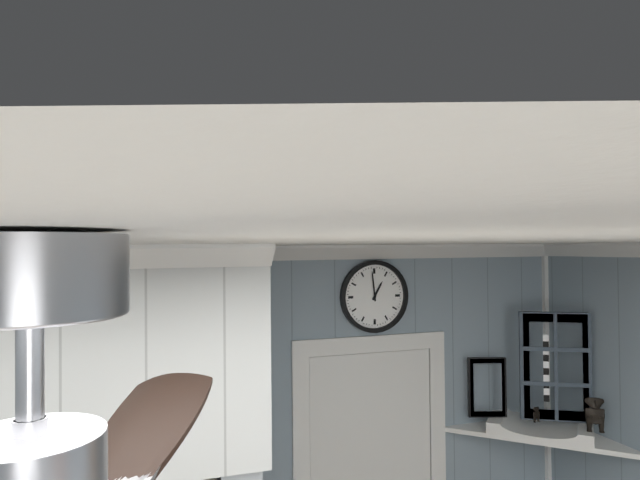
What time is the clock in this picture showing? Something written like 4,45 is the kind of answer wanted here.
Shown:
12,59
